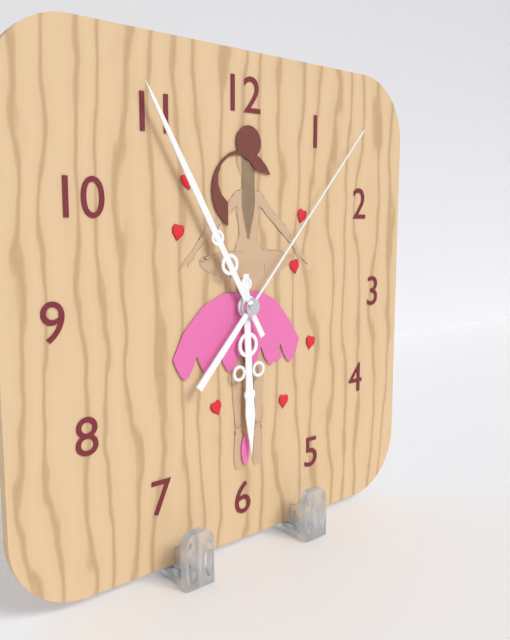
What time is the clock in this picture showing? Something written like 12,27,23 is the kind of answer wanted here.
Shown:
5,55,07
